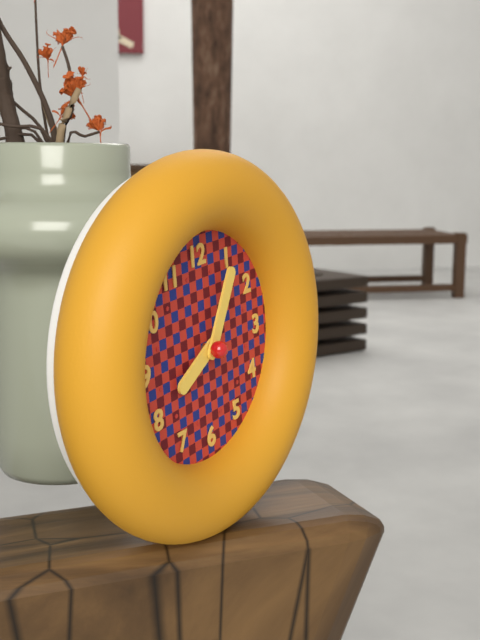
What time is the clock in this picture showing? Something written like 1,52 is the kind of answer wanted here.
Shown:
8,05
